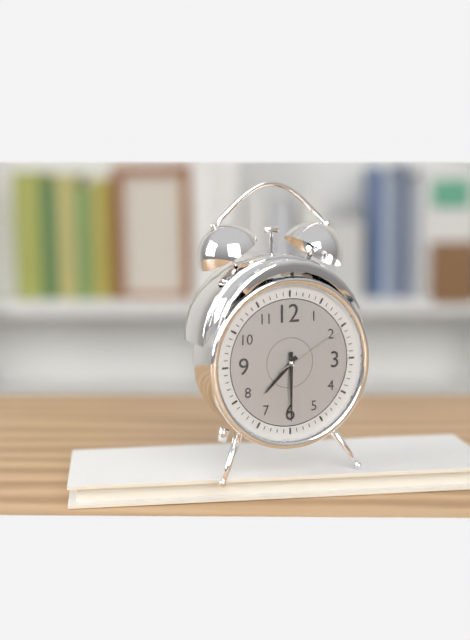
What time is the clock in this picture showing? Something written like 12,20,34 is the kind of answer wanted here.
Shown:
7,30,10
